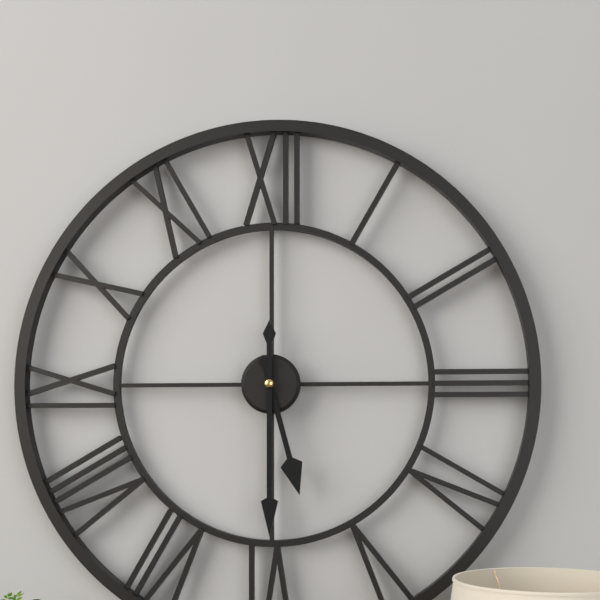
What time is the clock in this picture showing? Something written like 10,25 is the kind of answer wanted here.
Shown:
5,30
